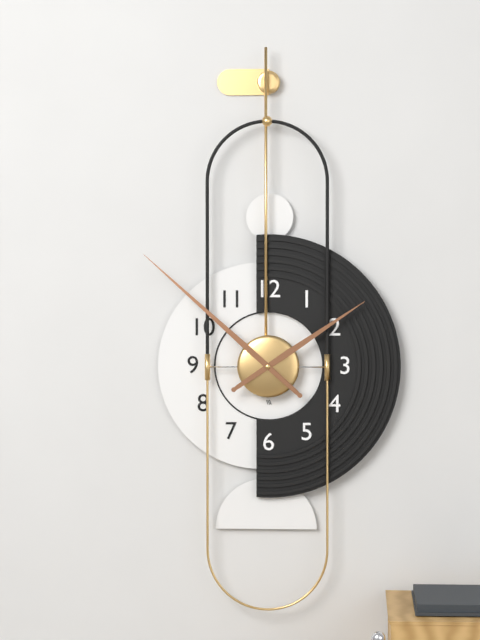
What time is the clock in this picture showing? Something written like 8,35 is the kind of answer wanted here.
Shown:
1,52
